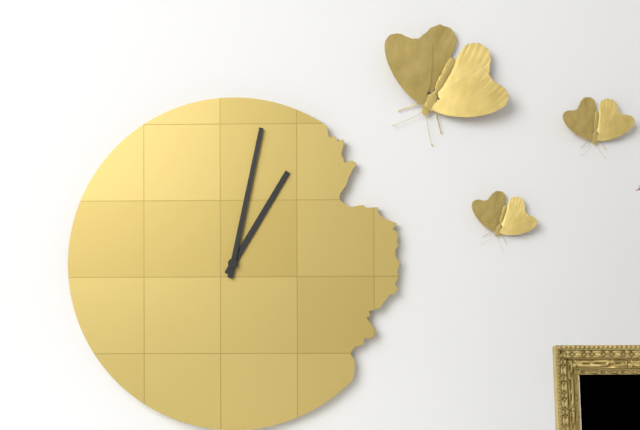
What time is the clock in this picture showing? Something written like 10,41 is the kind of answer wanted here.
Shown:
1,02
